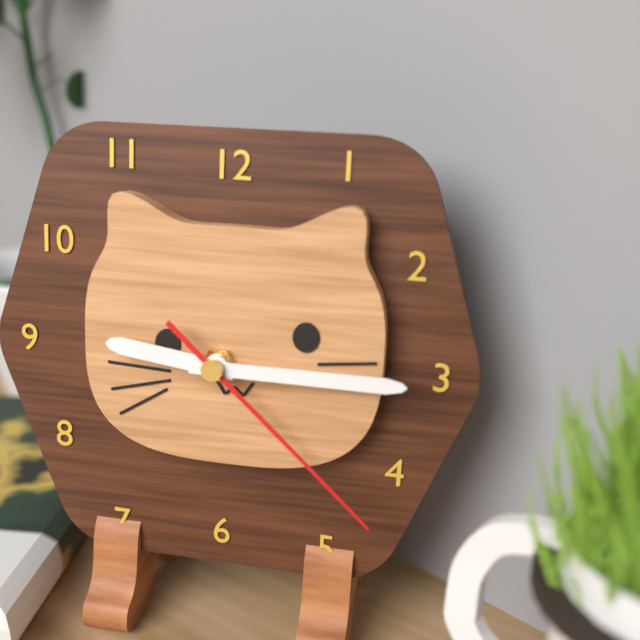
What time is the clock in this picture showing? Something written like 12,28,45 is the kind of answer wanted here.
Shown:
9,15,22
